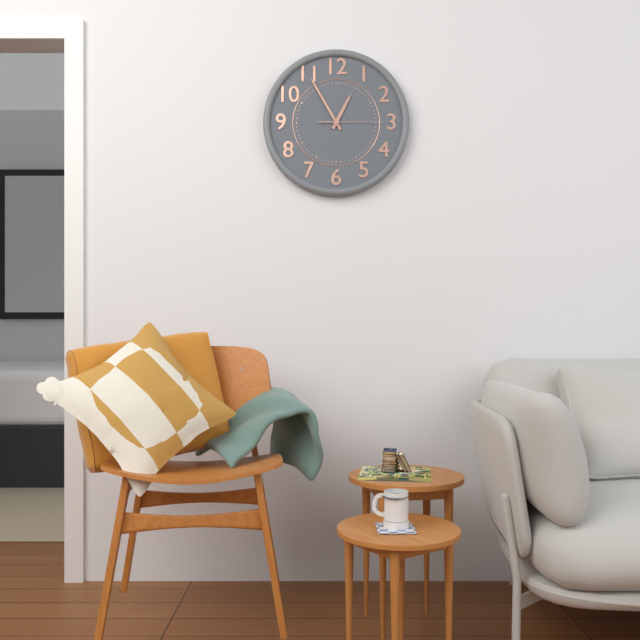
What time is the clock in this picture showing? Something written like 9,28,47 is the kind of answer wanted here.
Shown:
12,55,15
